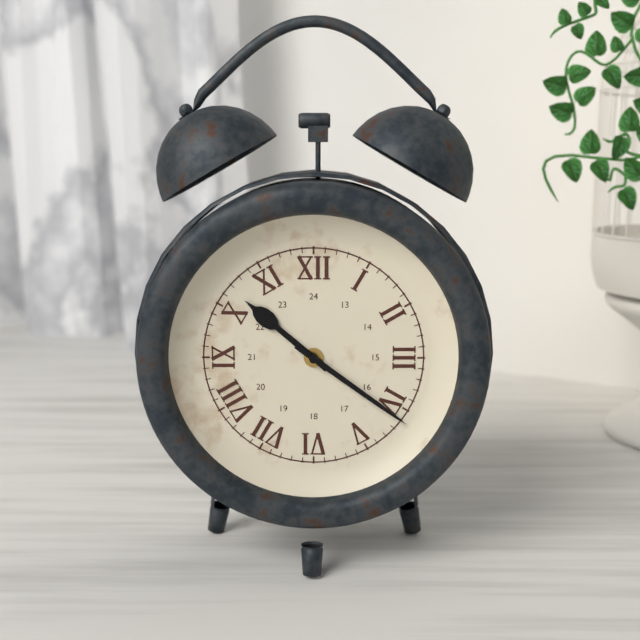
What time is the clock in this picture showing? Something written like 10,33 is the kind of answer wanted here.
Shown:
10,21
